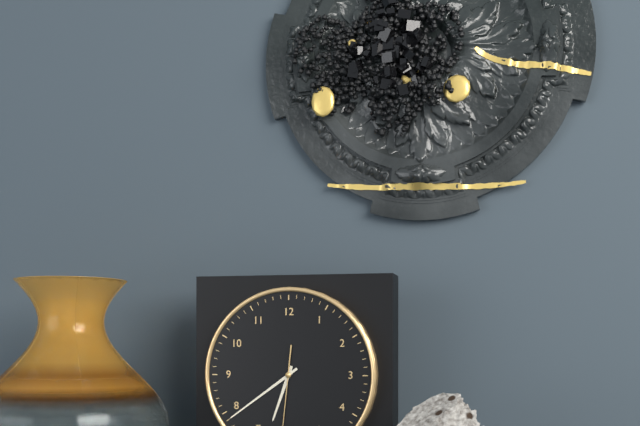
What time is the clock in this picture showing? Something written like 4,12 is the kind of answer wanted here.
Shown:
6,39
